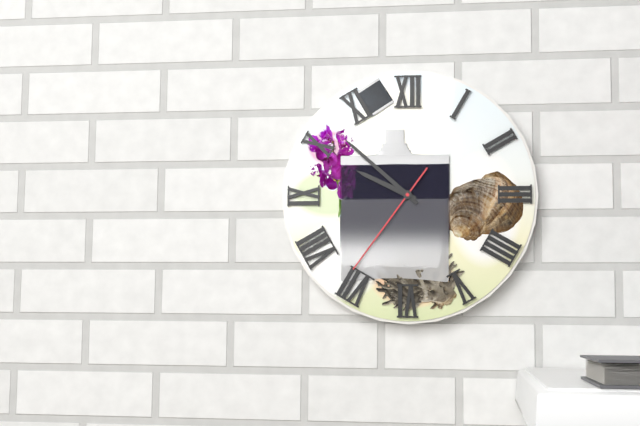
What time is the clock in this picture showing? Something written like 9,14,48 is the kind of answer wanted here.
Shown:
9,52,36
